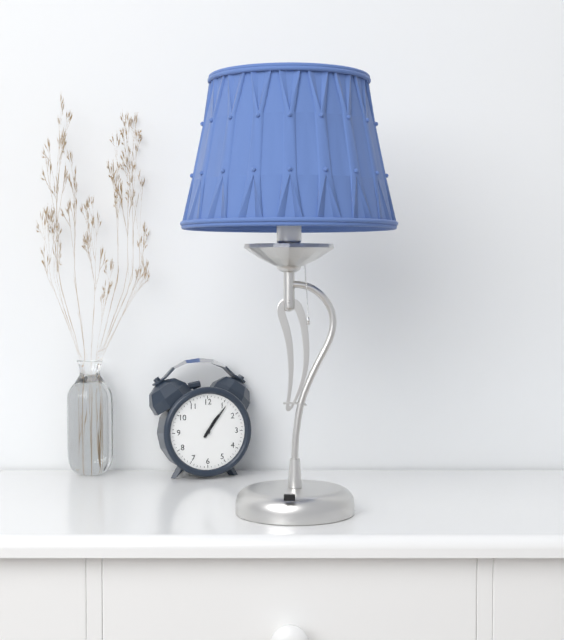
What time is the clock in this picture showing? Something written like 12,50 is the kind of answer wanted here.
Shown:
1,06
